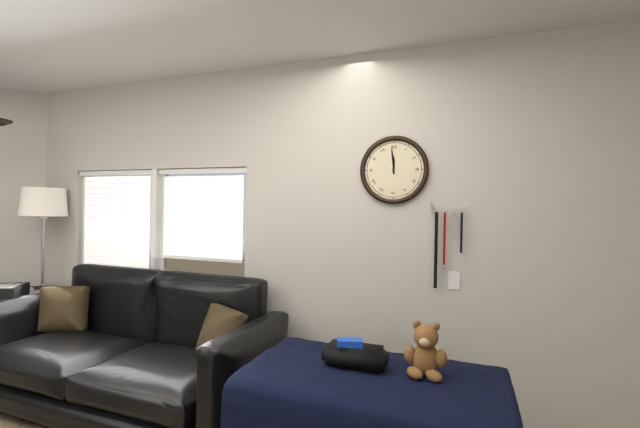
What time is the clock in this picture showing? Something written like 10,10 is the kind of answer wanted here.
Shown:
11,59
